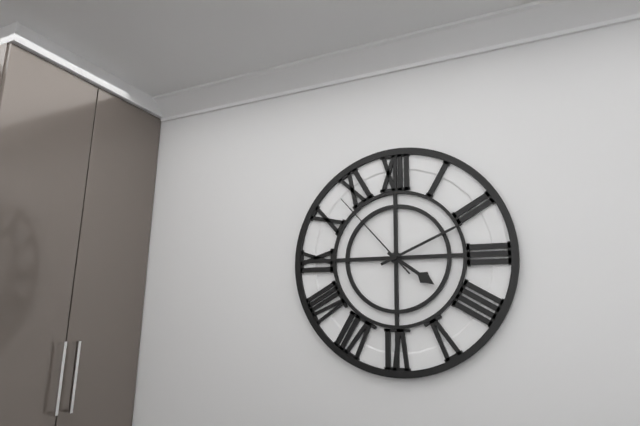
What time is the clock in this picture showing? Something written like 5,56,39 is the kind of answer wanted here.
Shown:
4,11,53
